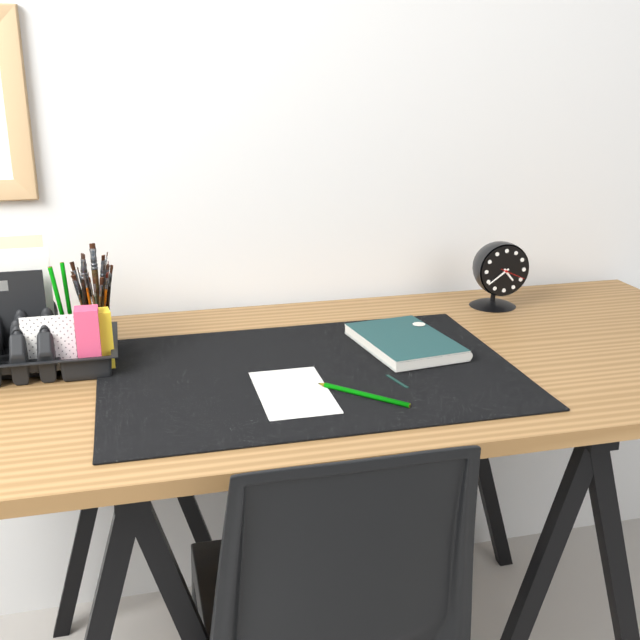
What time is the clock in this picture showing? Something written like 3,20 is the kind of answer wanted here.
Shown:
4,39
